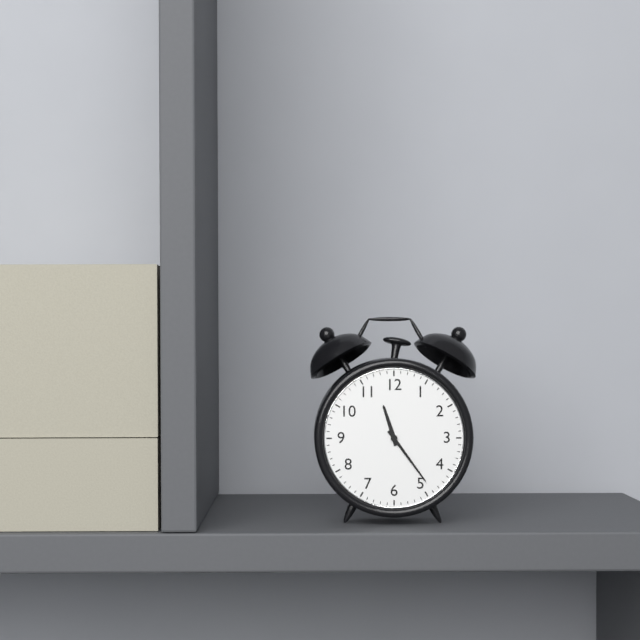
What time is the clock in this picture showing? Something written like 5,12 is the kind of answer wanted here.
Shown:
11,24
